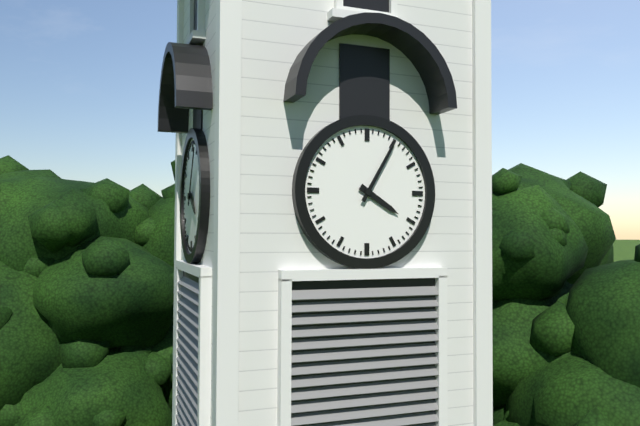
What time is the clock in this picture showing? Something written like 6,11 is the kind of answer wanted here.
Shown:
4,05
